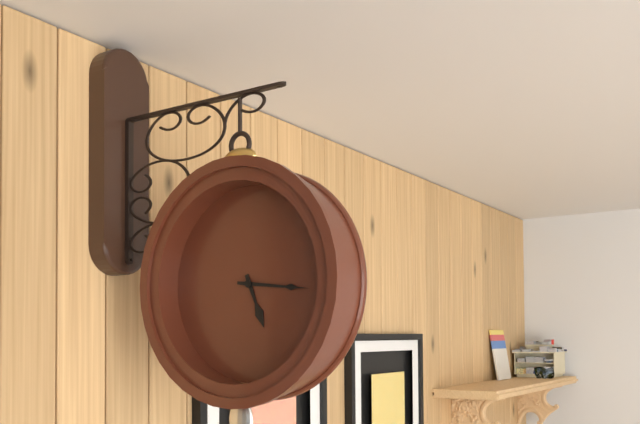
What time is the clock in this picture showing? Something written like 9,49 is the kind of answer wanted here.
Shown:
5,16
